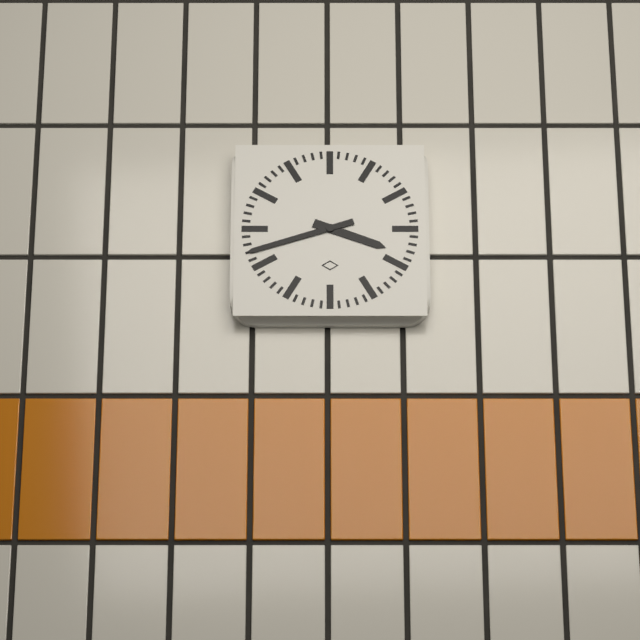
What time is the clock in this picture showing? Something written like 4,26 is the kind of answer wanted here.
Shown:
3,42
